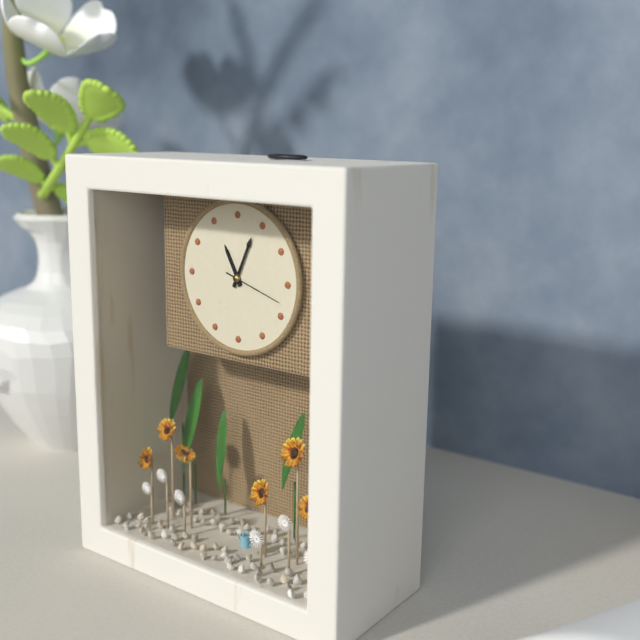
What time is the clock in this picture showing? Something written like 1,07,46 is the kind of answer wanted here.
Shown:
11,04,18
